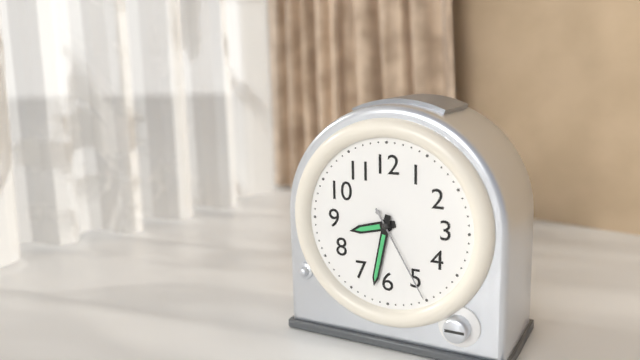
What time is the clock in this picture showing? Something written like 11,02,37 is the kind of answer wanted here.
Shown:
8,32,25
